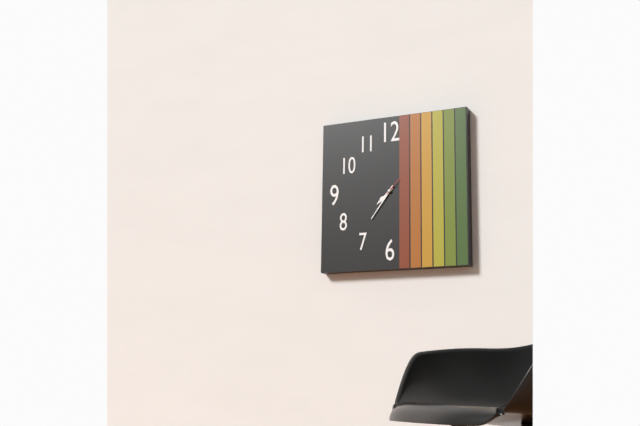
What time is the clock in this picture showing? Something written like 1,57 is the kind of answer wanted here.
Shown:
7,36
